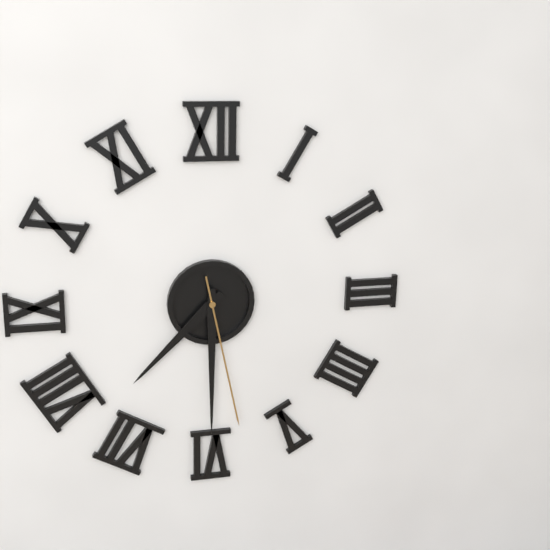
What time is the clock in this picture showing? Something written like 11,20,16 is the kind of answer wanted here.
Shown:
7,30,28
